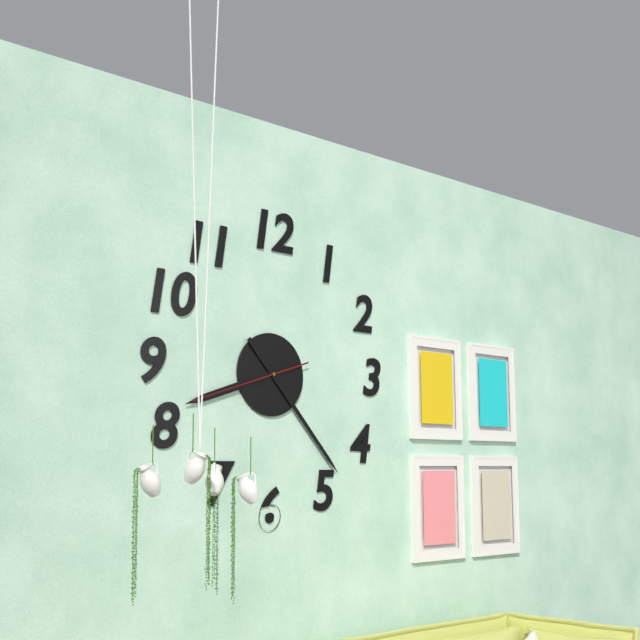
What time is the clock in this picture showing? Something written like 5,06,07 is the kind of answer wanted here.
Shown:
8,23,42
